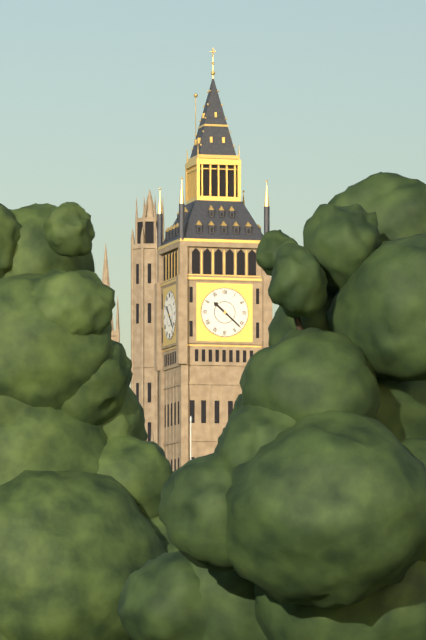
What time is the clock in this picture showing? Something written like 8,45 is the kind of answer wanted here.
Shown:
10,22
